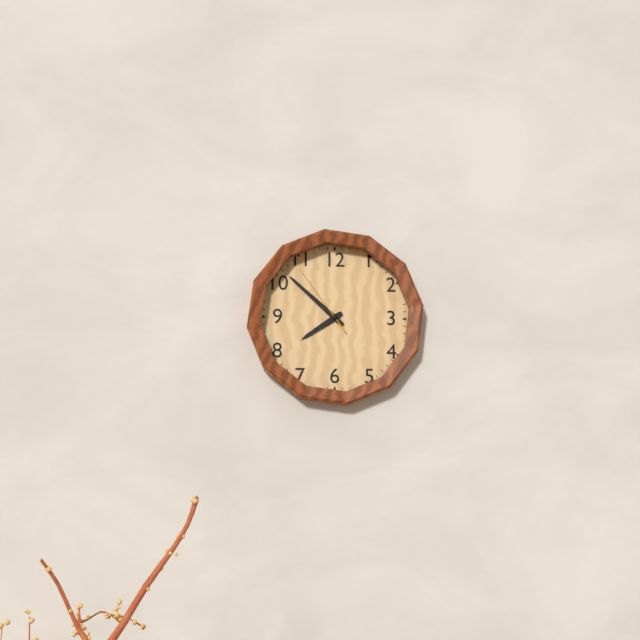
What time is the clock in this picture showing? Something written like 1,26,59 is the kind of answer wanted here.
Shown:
7,52,54
